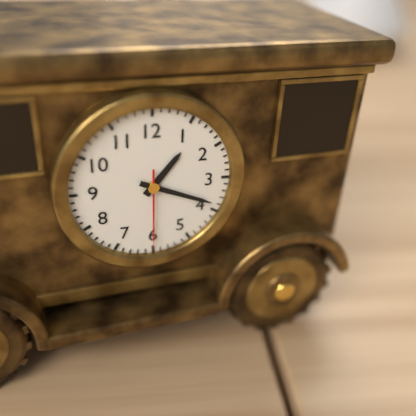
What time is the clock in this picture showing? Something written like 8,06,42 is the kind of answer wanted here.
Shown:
1,19,30
